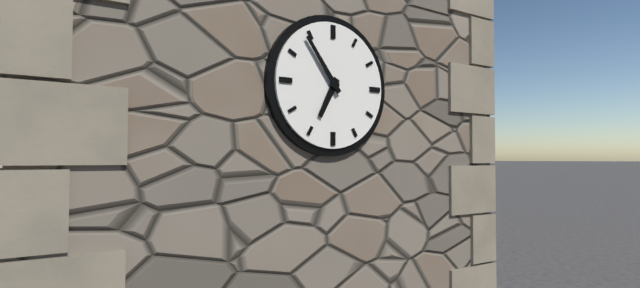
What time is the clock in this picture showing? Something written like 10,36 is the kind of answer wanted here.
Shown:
6,54
